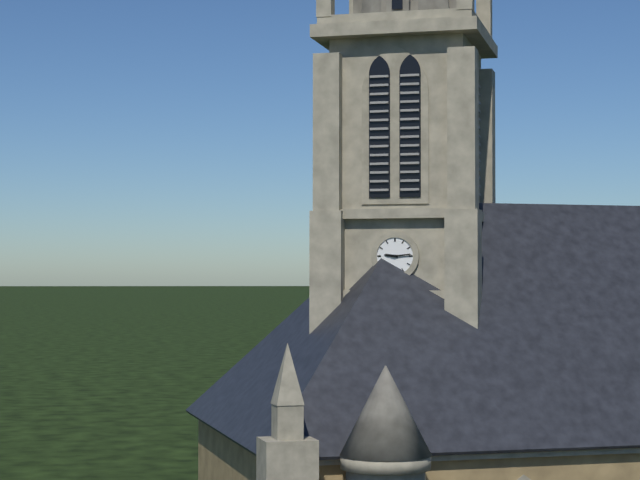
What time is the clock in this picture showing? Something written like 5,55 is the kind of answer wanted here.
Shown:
9,14
